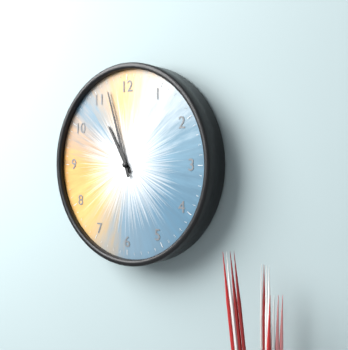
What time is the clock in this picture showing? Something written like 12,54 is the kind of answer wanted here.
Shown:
10,57
